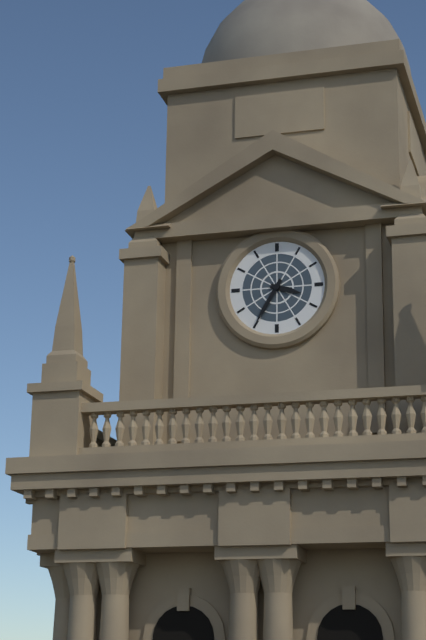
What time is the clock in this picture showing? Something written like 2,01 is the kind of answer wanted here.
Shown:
3,35
